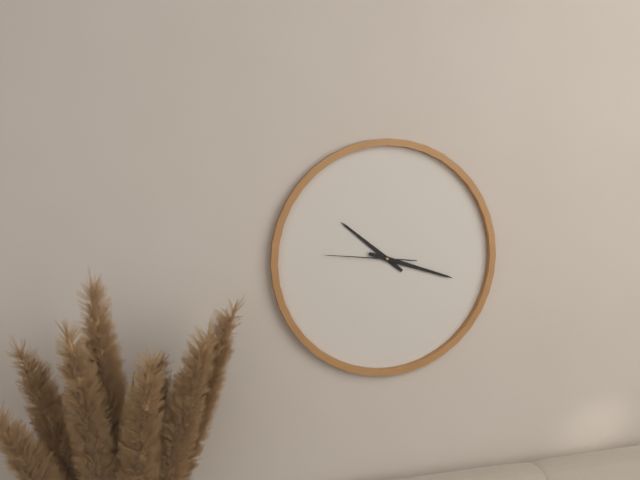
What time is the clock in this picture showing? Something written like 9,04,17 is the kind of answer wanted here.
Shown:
10,18,46
